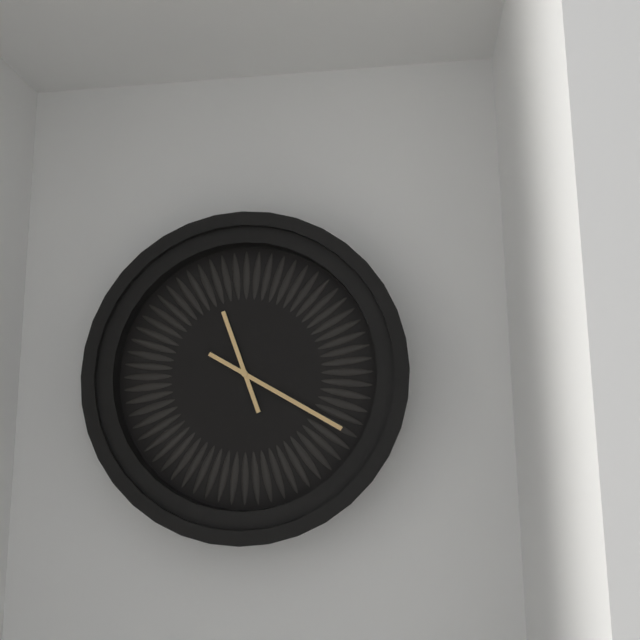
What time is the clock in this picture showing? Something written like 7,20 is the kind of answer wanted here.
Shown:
11,20
